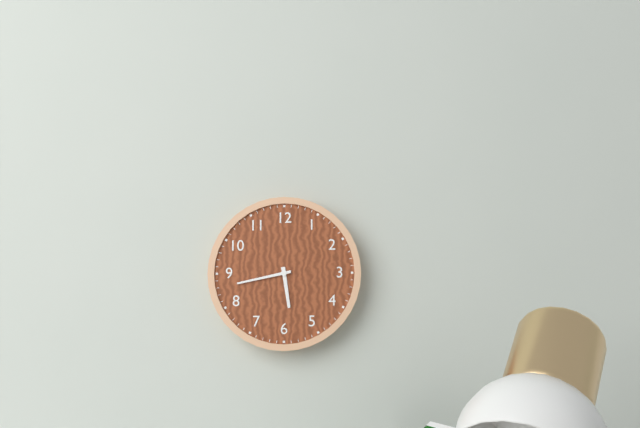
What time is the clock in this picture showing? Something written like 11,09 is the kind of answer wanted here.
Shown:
5,43
